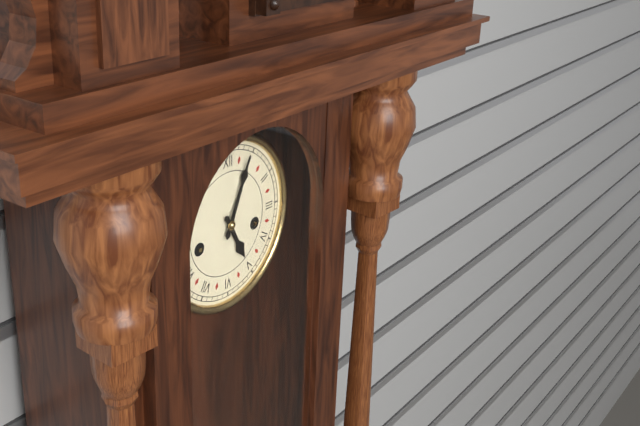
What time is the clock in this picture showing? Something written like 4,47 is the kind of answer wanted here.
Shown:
5,04
